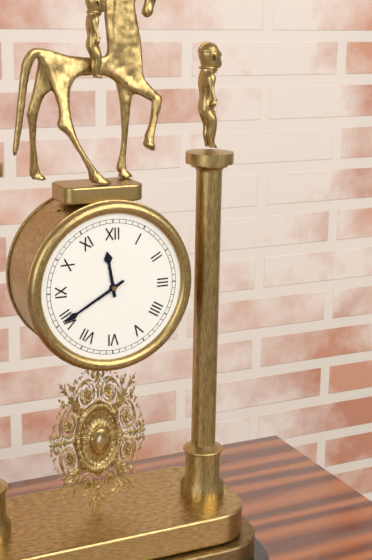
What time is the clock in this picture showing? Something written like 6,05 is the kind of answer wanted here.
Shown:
11,40
